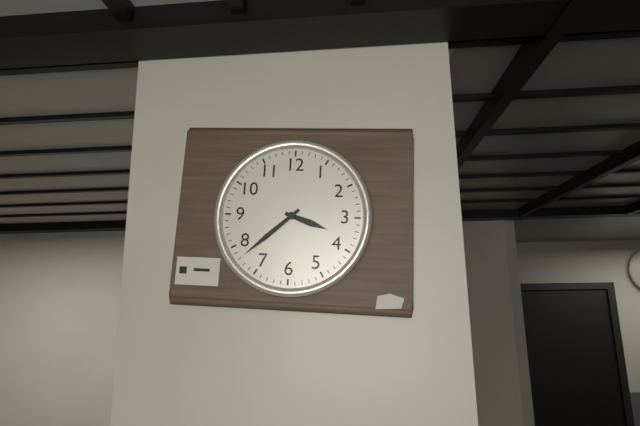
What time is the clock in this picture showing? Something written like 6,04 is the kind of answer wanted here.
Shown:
3,38
